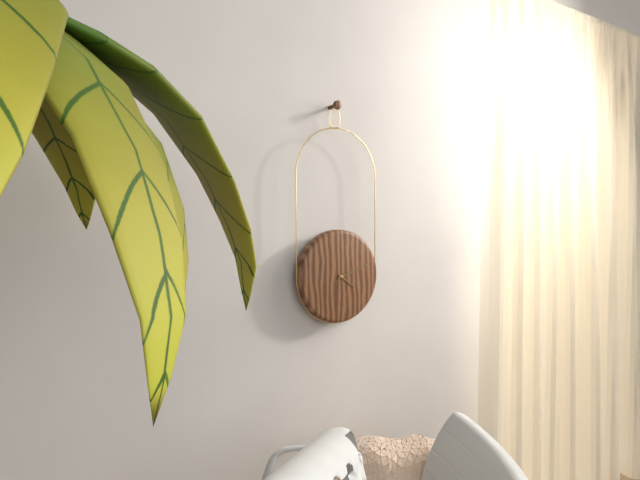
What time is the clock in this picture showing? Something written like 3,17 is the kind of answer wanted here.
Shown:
4,12
